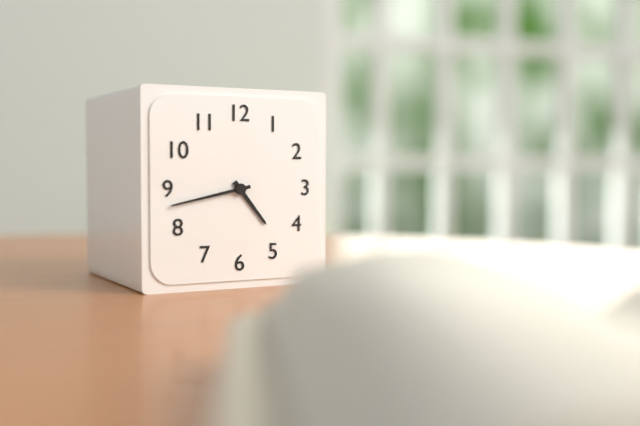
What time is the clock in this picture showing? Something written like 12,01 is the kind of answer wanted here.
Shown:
4,43
